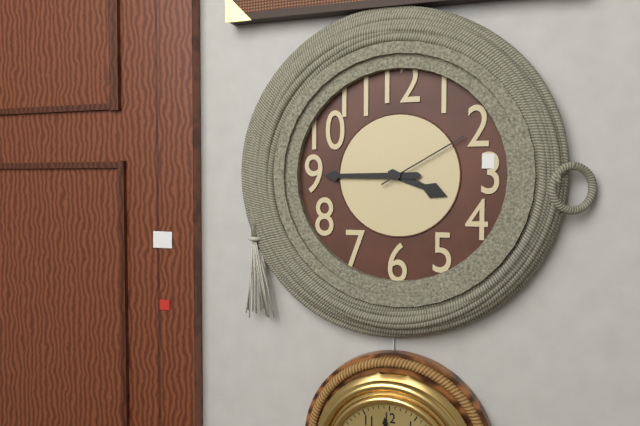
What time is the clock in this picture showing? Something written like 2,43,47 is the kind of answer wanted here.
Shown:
3,45,10
